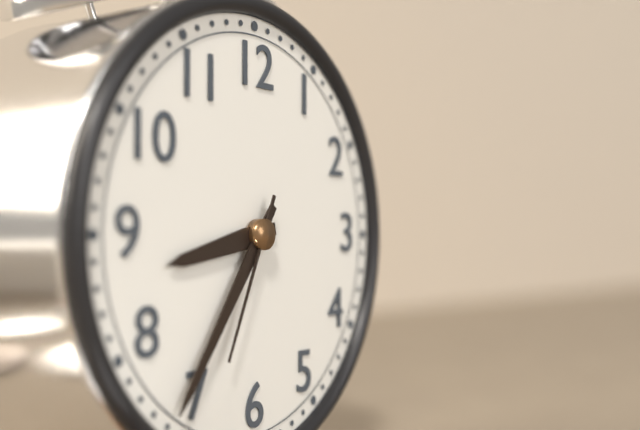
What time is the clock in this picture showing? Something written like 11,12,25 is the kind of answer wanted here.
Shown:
8,36,34
